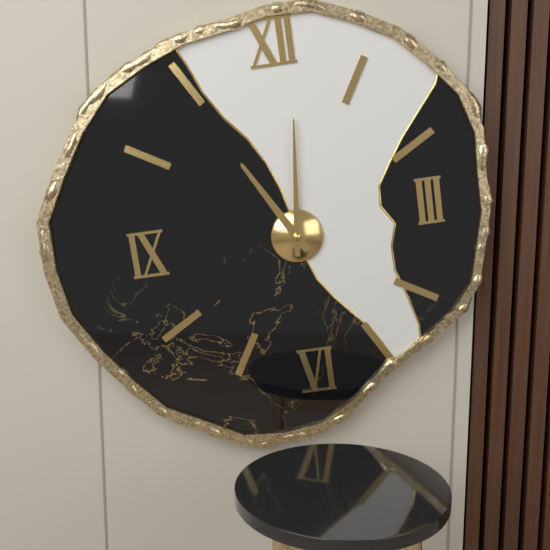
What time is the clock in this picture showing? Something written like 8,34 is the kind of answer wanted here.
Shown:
11,01
